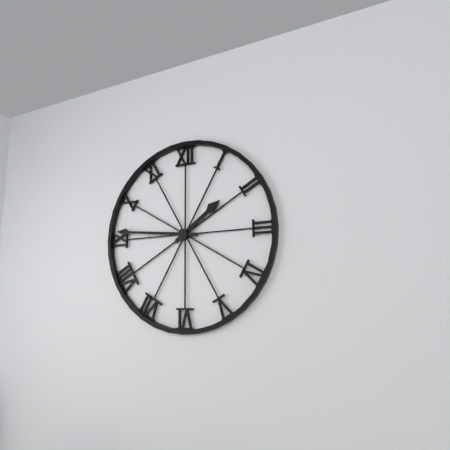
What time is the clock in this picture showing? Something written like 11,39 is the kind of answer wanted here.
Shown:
1,46
